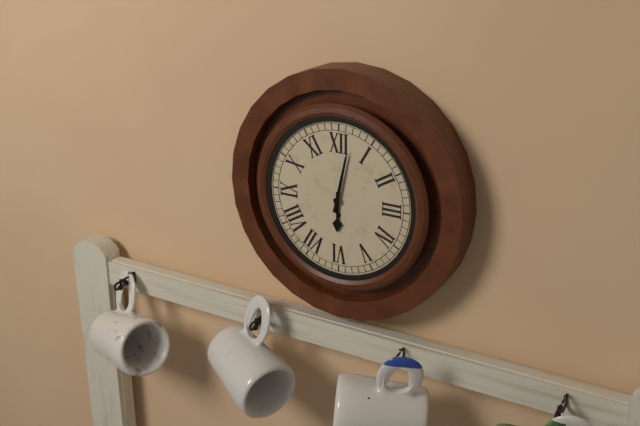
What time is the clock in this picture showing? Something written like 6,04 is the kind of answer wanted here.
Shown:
6,02
